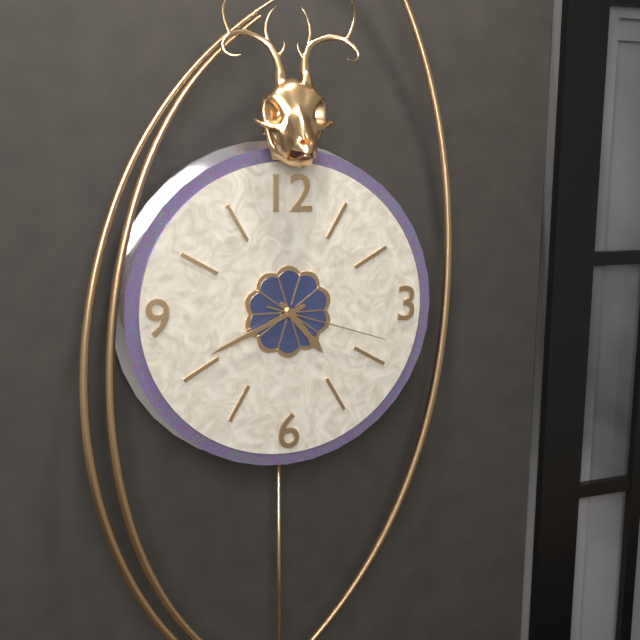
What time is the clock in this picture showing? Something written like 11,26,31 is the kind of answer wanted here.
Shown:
4,41,18
